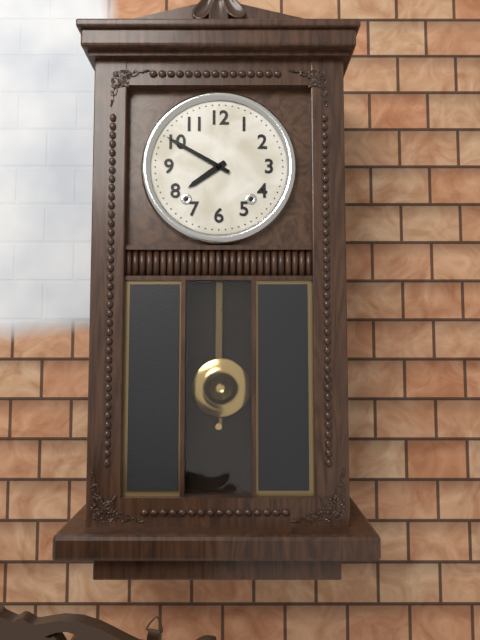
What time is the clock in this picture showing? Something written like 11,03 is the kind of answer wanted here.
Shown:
7,50
